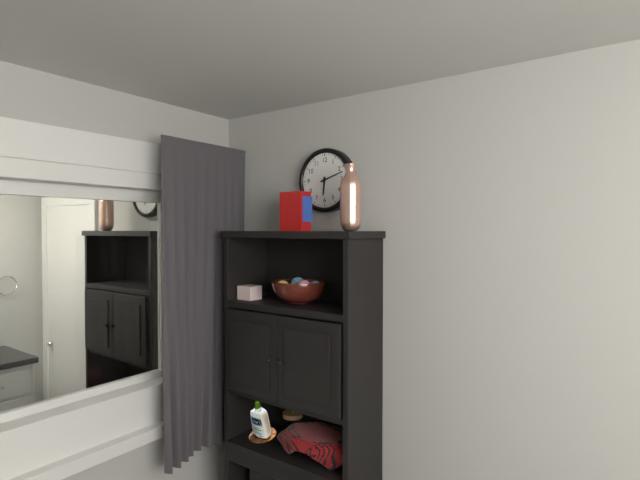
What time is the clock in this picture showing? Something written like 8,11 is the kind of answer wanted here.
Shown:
6,12
